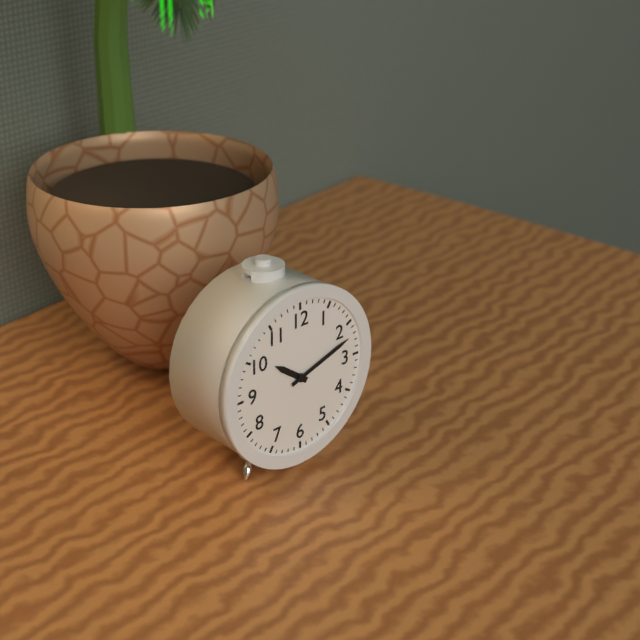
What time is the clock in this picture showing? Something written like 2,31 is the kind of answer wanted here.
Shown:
10,12
